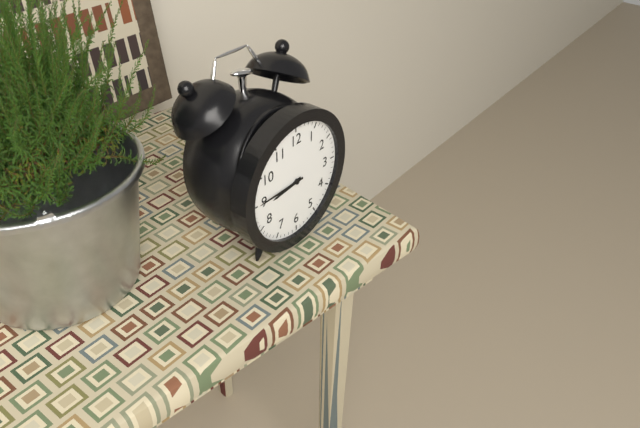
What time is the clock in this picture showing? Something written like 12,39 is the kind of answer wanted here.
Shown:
8,45
